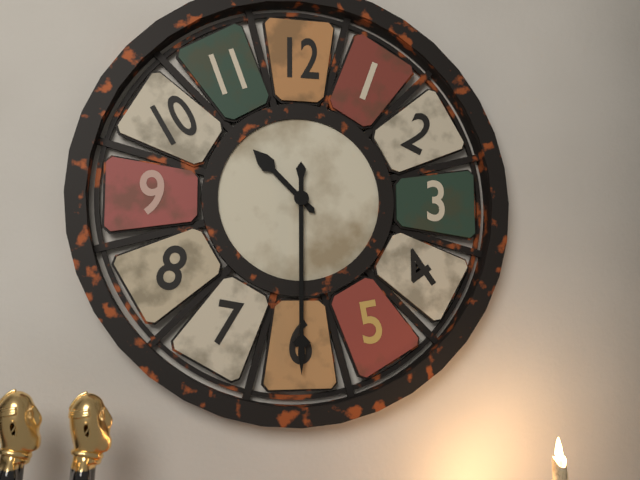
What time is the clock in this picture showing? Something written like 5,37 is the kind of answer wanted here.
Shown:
10,30
